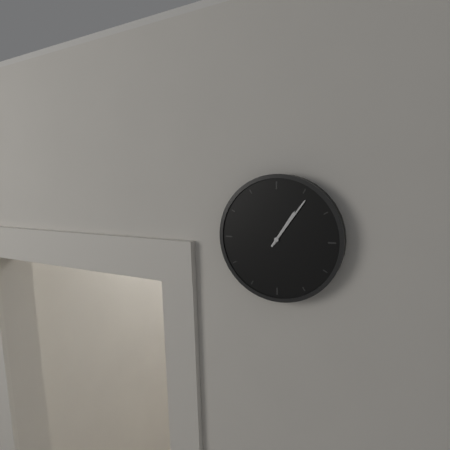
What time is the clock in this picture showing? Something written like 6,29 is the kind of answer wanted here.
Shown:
1,06
